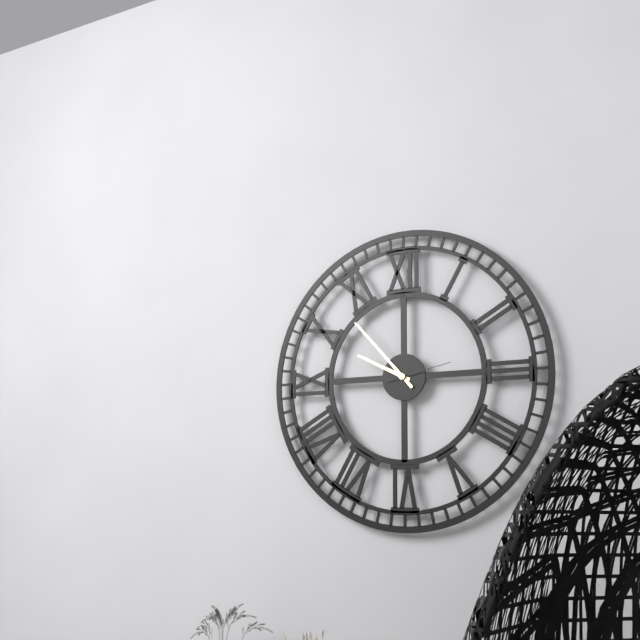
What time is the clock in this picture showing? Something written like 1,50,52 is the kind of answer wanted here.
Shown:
9,53,13
